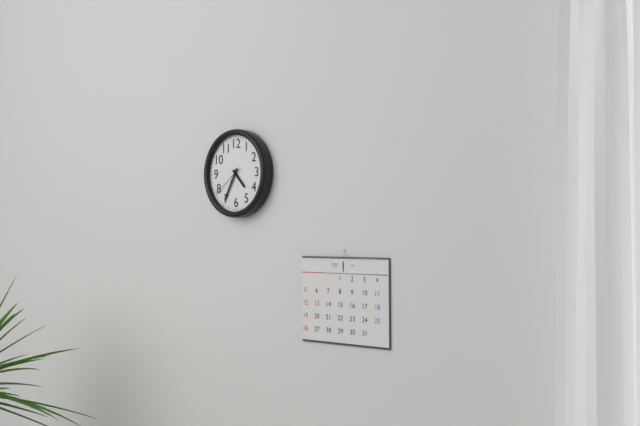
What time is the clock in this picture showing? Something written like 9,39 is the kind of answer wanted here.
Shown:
4,35
